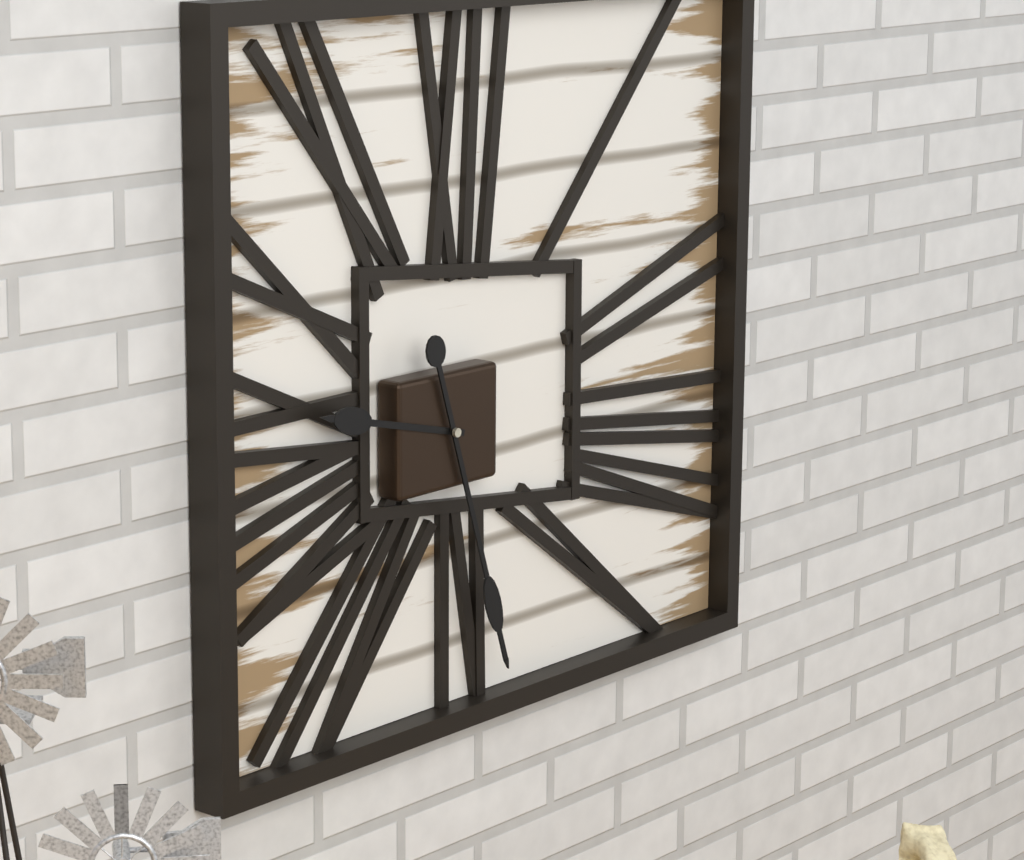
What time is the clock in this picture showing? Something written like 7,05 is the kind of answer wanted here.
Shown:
9,27
